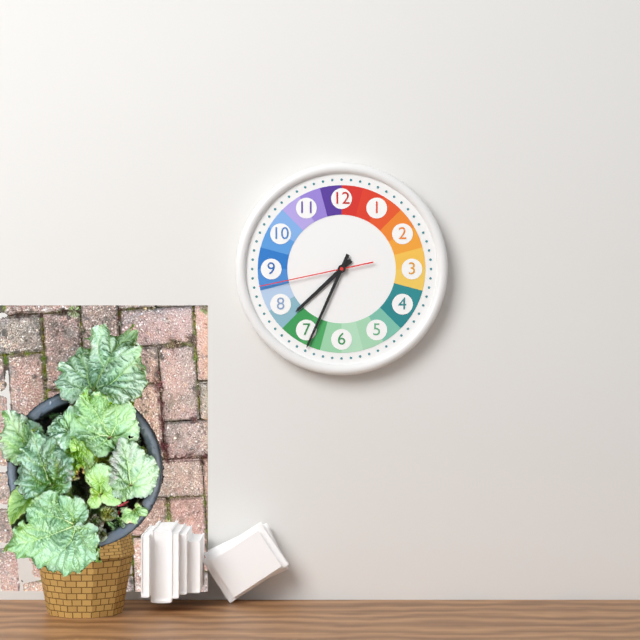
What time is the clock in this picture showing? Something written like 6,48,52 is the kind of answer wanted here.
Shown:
7,34,43
